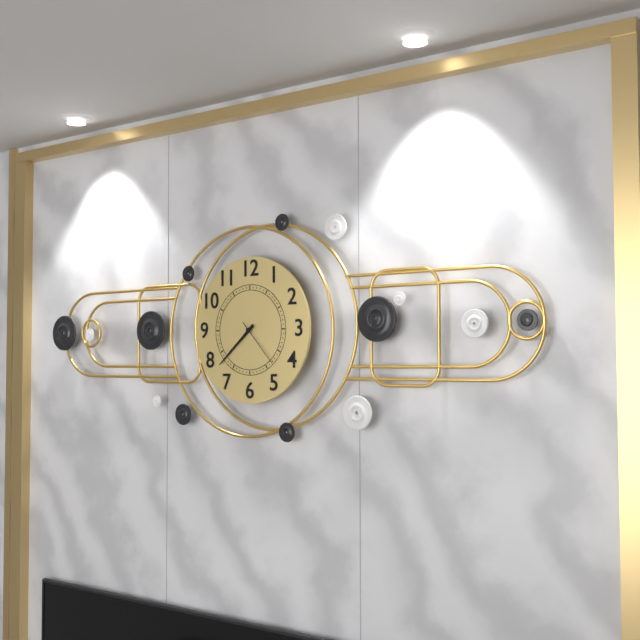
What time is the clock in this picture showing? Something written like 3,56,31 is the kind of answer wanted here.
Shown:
7,38,23
